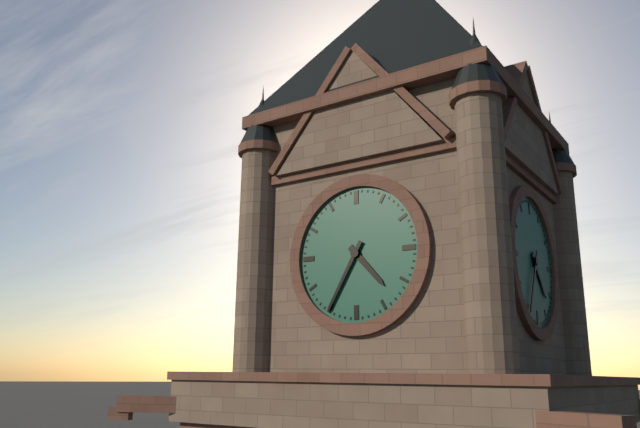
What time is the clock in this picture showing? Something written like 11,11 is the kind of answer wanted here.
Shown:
4,35
